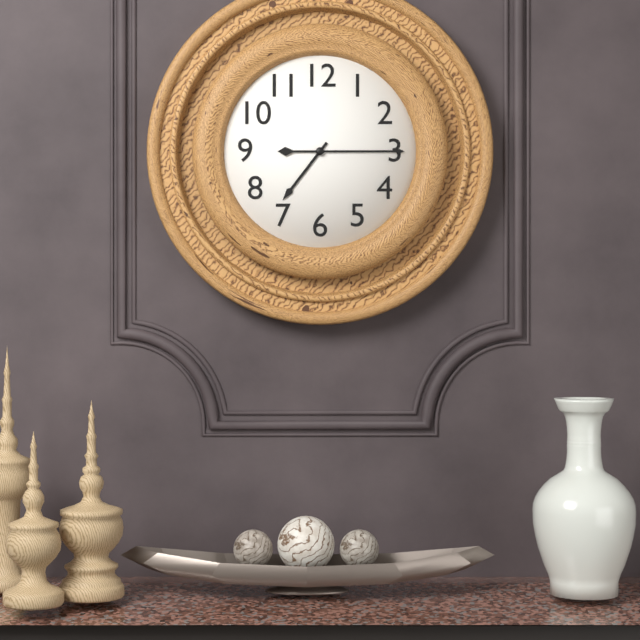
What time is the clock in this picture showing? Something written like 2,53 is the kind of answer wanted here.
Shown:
7,15
